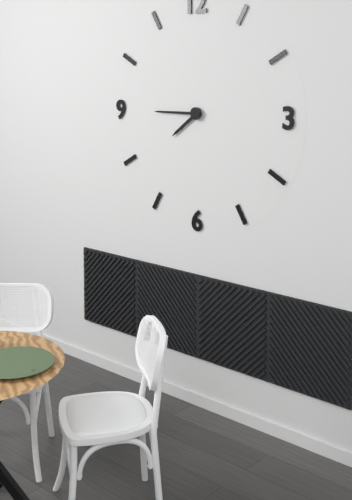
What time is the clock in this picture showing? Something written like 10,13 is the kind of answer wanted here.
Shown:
7,45
